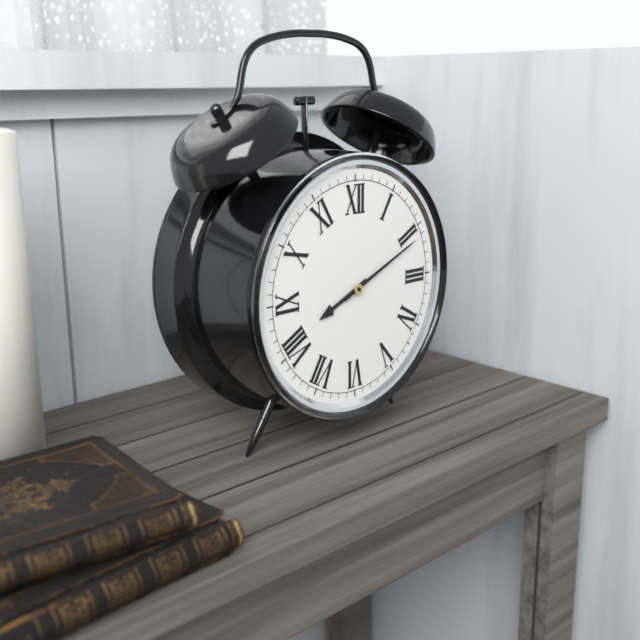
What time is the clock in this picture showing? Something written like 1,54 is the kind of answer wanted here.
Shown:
8,11
